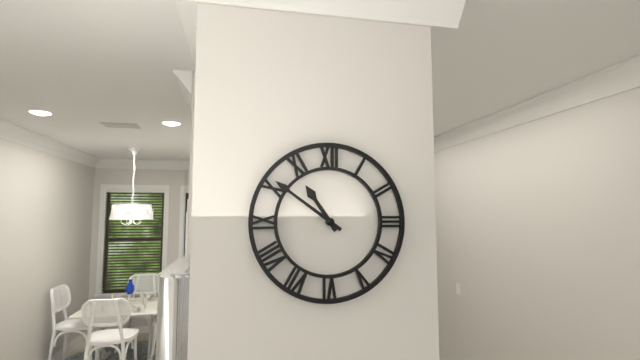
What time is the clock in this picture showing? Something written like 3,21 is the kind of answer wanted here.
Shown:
10,51
